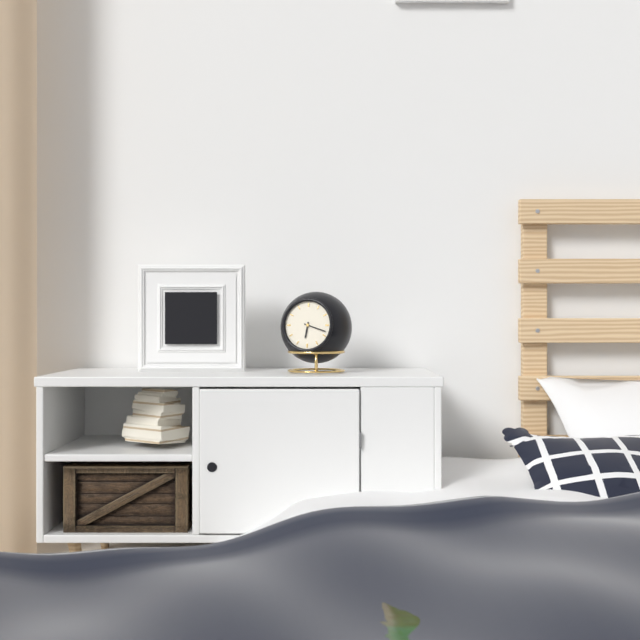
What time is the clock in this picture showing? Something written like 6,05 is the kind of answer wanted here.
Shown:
6,18
